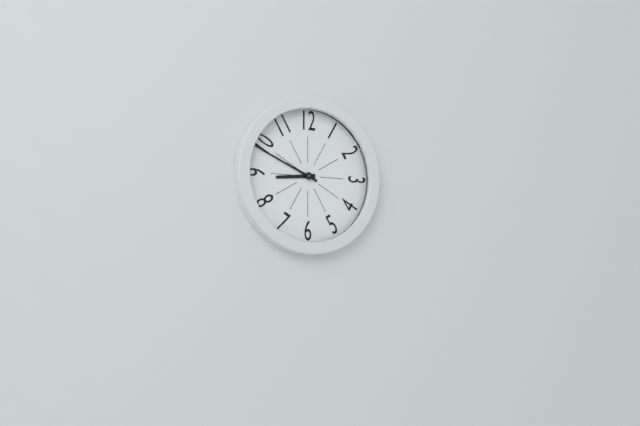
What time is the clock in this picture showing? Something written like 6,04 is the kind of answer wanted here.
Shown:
8,49
